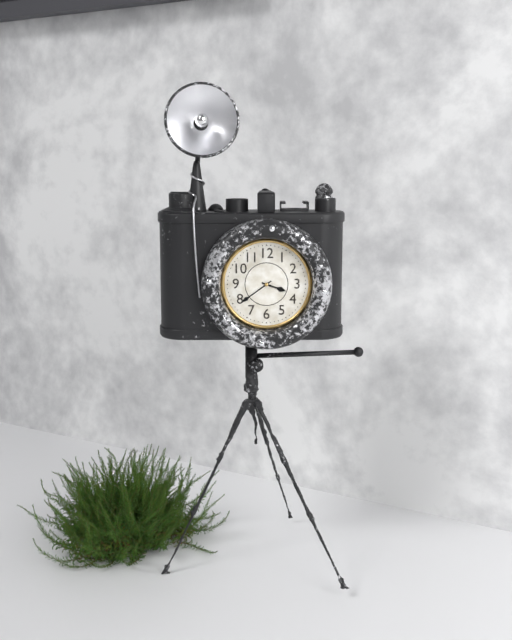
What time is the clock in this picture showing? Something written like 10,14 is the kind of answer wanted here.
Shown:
3,39
